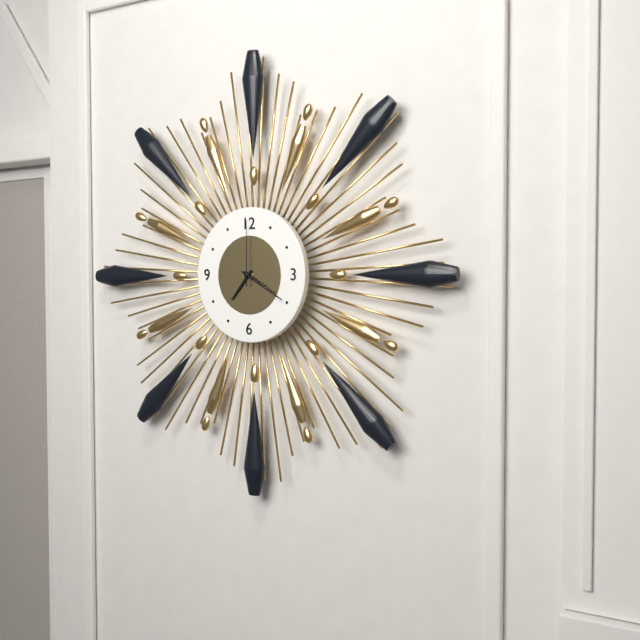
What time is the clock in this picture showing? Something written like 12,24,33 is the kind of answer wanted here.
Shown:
7,20,00
